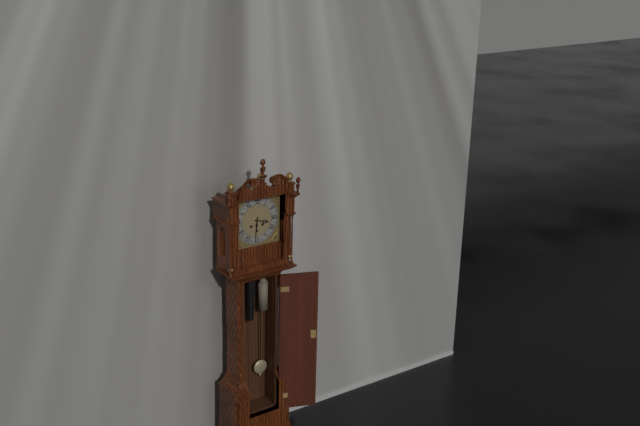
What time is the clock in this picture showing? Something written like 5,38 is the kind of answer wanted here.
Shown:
3,31
